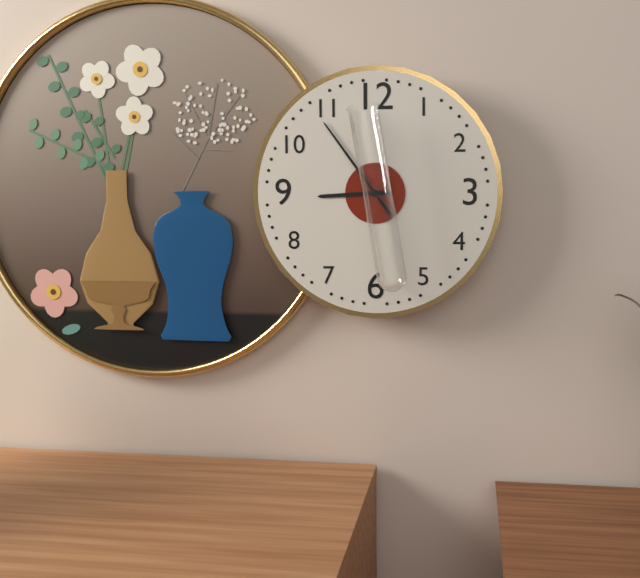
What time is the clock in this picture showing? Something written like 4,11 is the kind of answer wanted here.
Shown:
8,54
